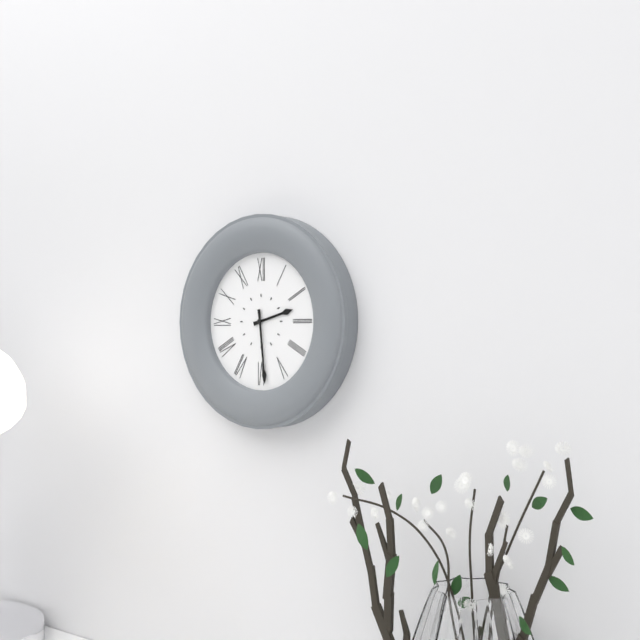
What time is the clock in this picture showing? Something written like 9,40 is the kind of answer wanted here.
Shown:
2,29
